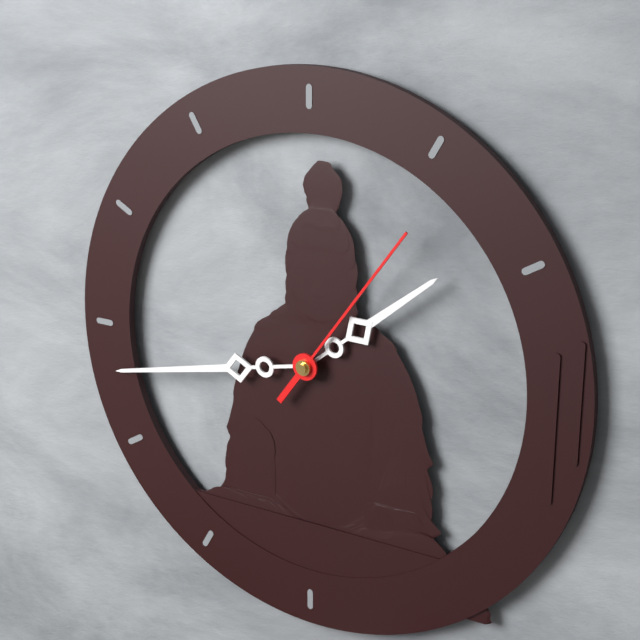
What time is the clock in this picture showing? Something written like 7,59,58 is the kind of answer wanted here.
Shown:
1,43,06
